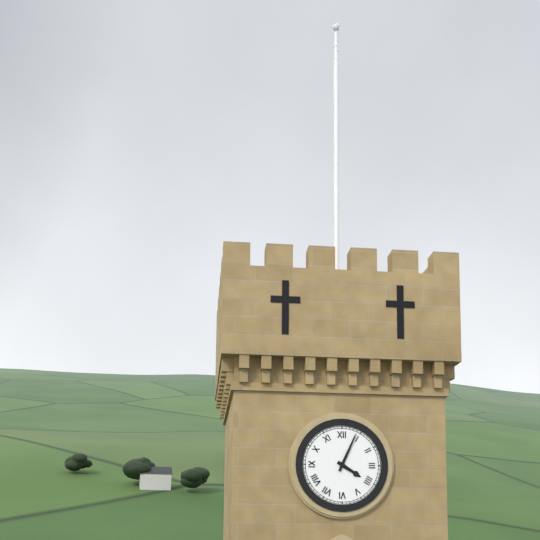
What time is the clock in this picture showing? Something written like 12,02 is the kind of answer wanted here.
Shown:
4,04
